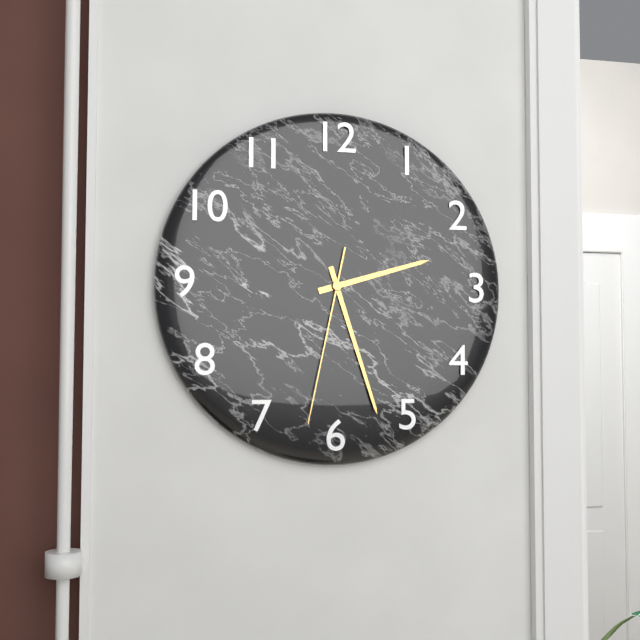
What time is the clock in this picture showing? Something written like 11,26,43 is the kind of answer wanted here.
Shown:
2,27,32
